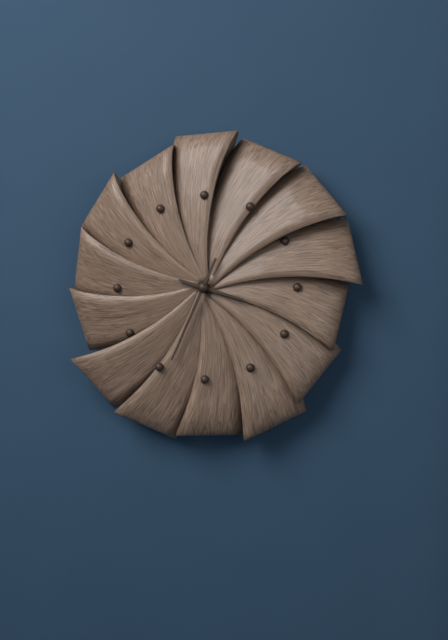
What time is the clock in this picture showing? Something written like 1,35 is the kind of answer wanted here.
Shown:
3,34
